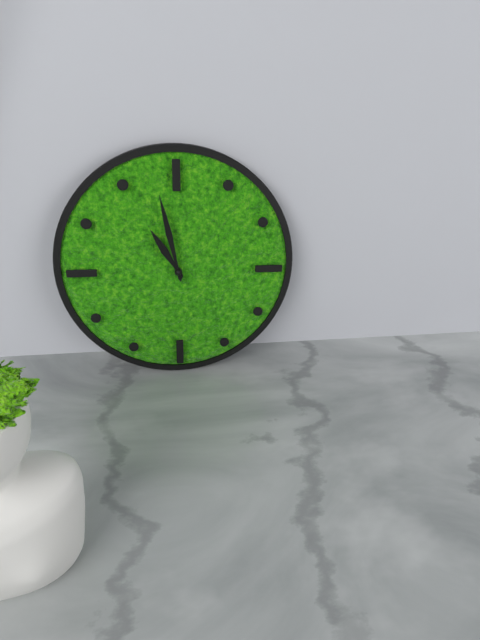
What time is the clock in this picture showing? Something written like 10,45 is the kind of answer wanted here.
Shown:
10,58
